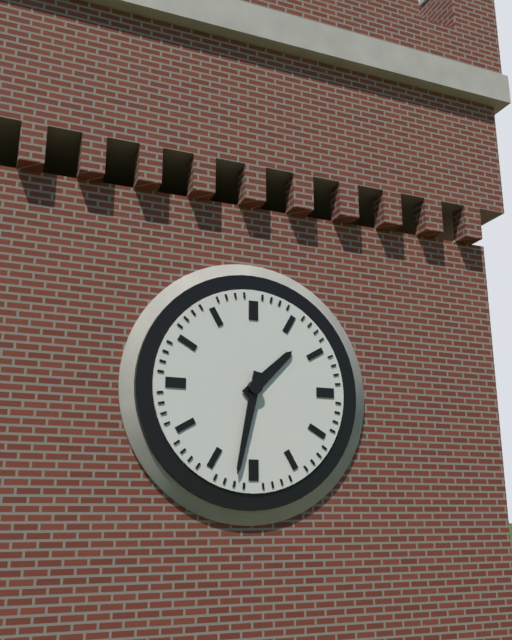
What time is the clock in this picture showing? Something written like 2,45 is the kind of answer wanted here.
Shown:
1,32
